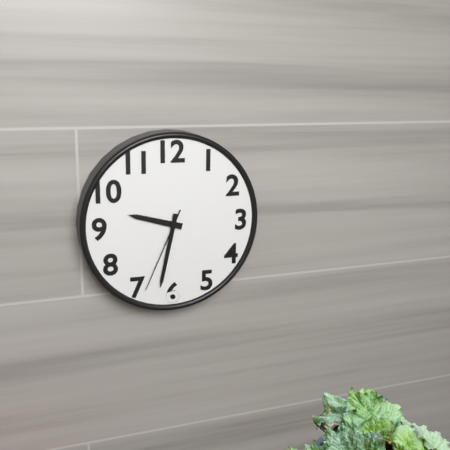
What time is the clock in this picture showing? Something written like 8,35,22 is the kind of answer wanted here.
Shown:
9,32,34
